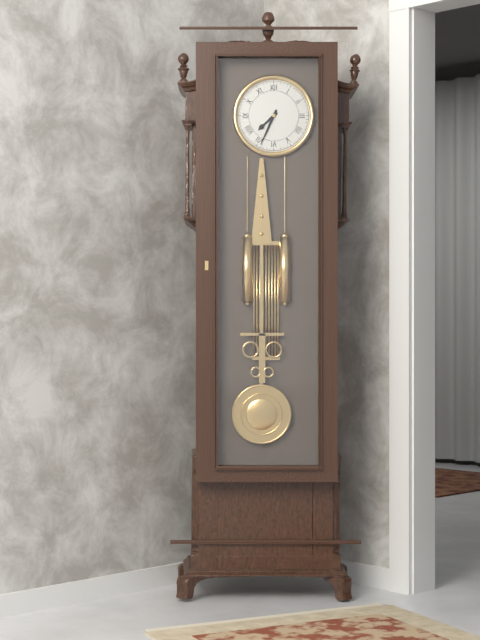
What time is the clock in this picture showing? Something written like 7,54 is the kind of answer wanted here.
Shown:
7,34
